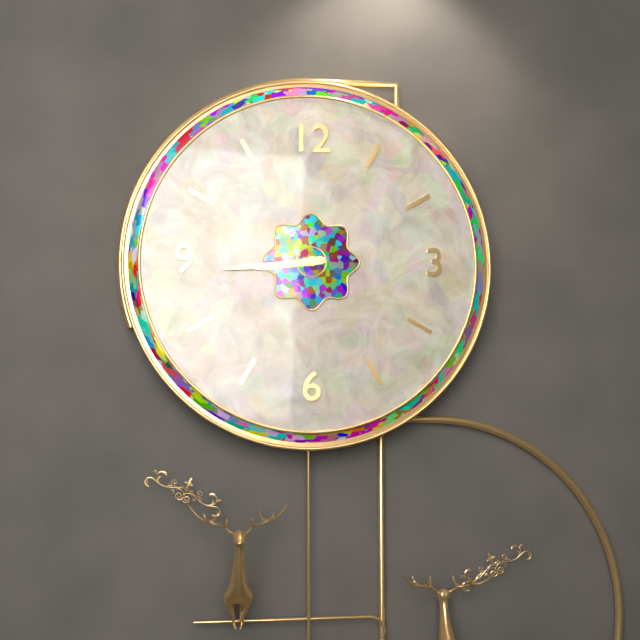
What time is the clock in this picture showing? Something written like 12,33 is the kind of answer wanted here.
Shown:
8,44
